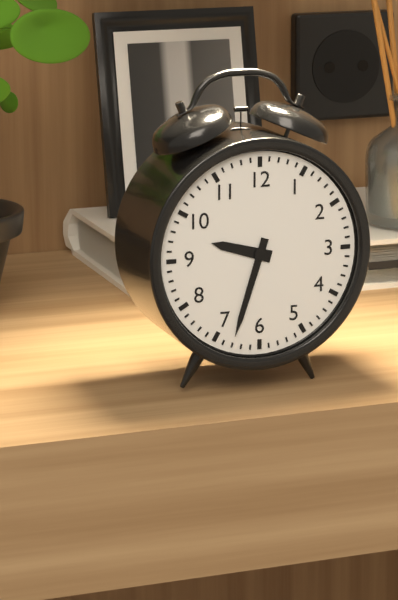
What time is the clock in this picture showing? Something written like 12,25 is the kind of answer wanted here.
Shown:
9,33
